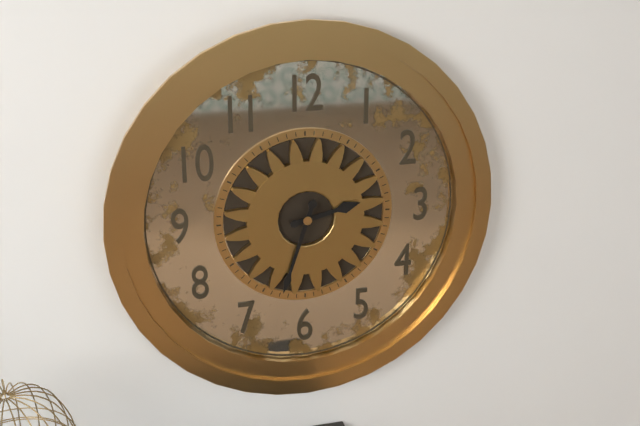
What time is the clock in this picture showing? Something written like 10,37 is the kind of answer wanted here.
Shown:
2,33
